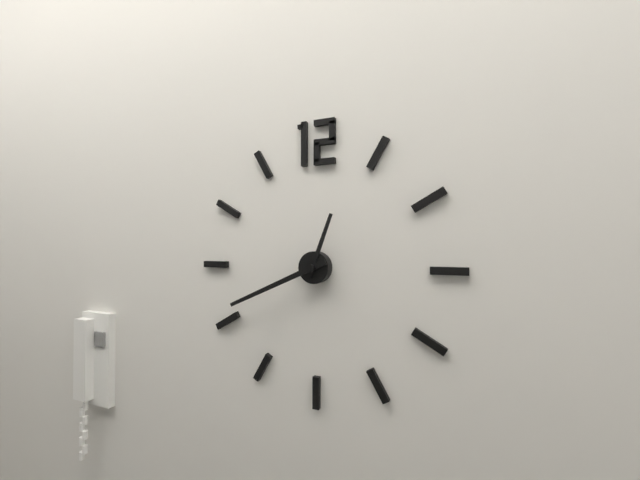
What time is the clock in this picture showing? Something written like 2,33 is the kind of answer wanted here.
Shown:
12,41
